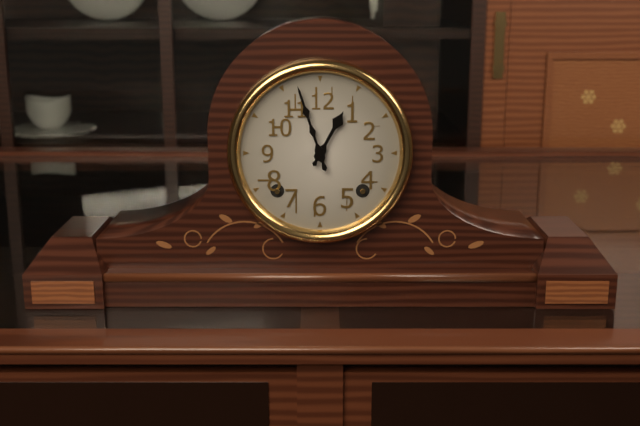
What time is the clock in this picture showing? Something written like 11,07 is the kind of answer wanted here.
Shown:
12,57
